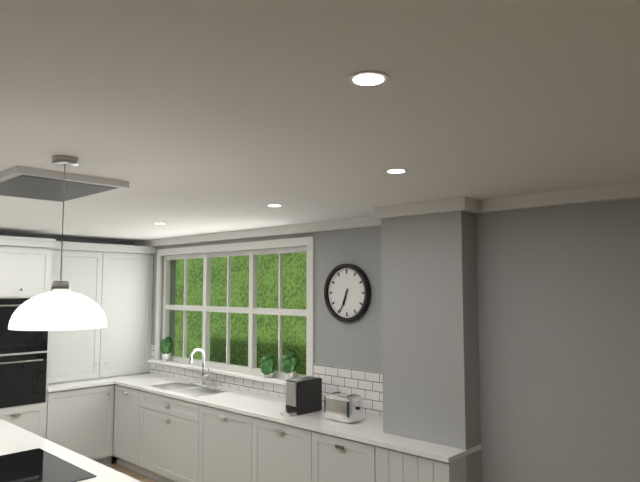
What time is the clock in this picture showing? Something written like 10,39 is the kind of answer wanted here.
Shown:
6,34
